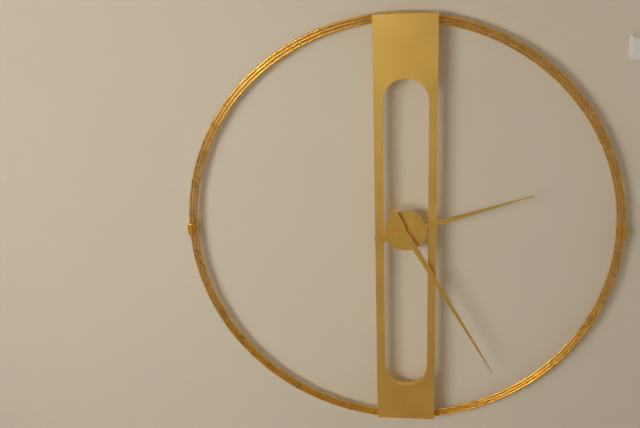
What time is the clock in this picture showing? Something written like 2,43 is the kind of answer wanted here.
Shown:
2,25
